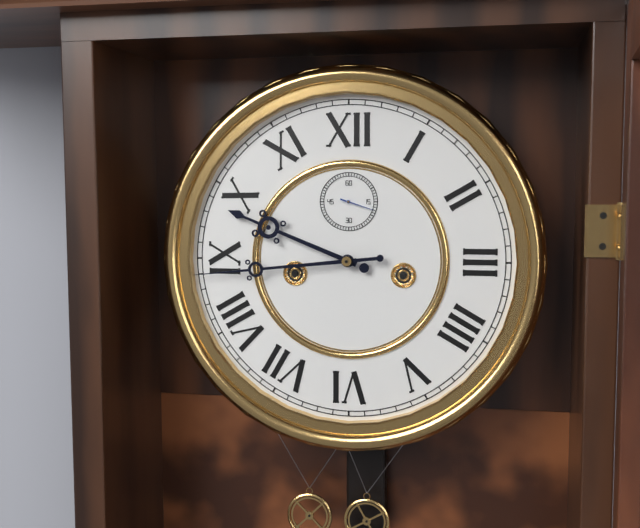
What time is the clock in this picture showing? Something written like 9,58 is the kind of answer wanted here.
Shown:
9,44
